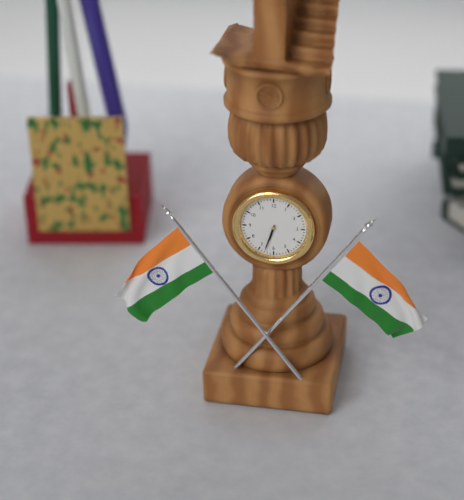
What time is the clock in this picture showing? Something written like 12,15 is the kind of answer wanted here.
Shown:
6,33
